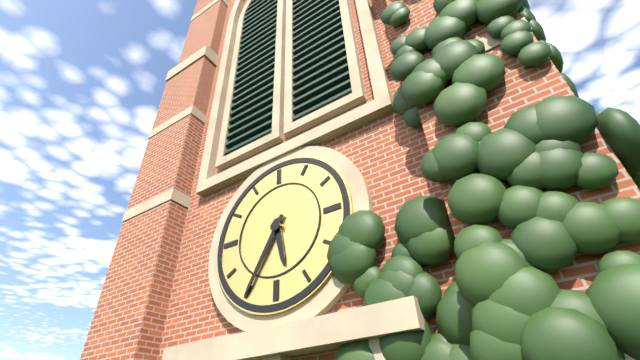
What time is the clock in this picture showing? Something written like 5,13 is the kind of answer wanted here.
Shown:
5,35
